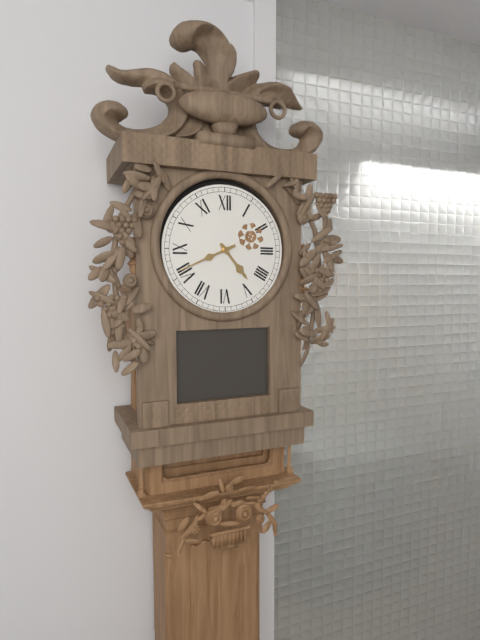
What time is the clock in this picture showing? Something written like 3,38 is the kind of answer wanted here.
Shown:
4,41
